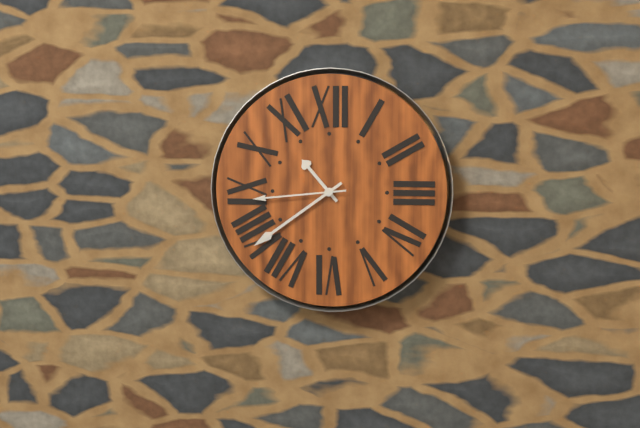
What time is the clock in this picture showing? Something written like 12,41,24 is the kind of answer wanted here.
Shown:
10,39,44
